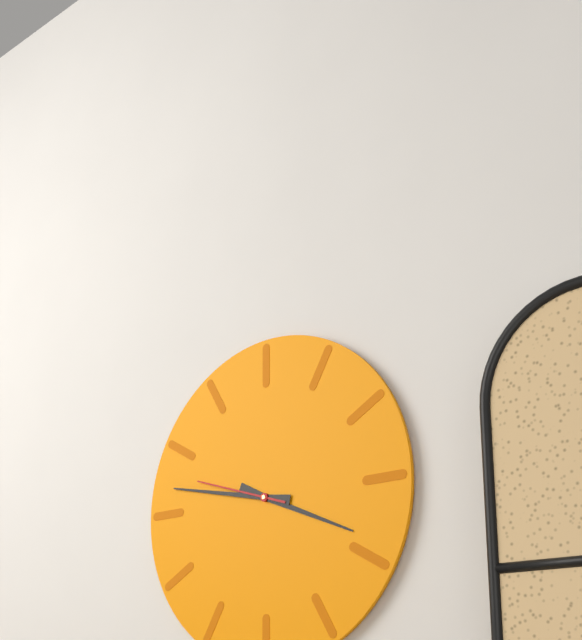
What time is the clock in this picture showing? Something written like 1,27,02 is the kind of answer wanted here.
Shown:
3,47,48
